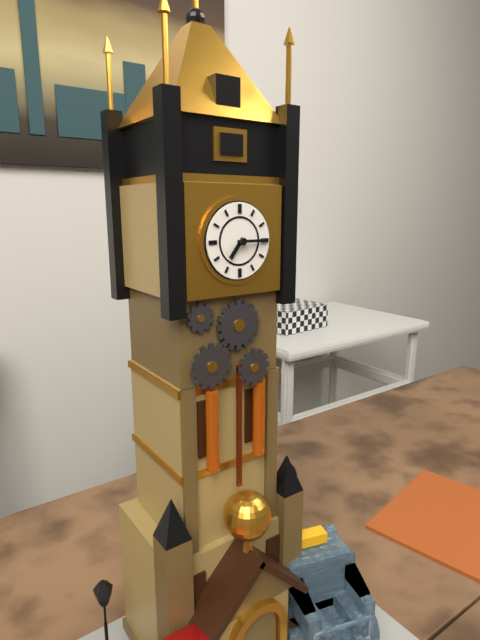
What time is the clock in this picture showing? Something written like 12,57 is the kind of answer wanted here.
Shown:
7,15
